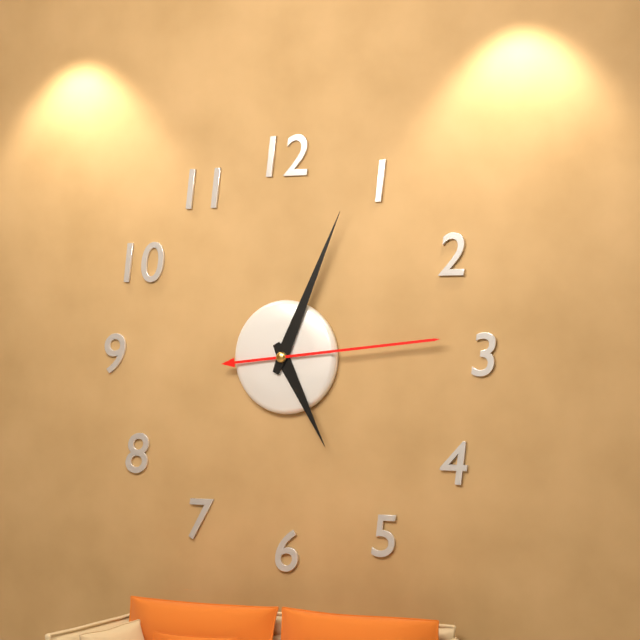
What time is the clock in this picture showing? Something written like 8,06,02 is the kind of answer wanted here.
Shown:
5,04,14
